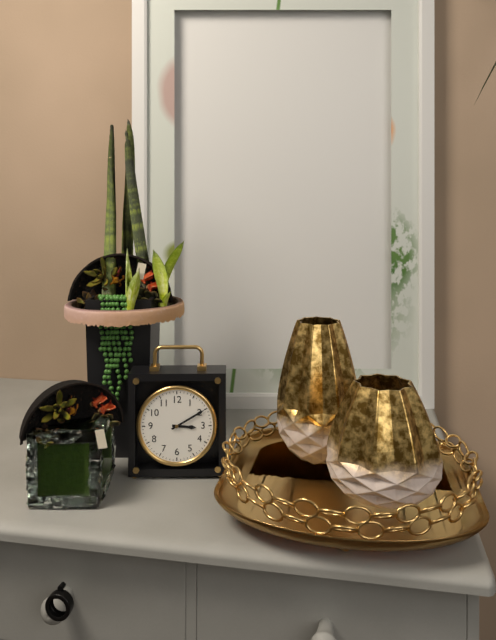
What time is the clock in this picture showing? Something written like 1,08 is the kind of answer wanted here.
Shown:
3,10
